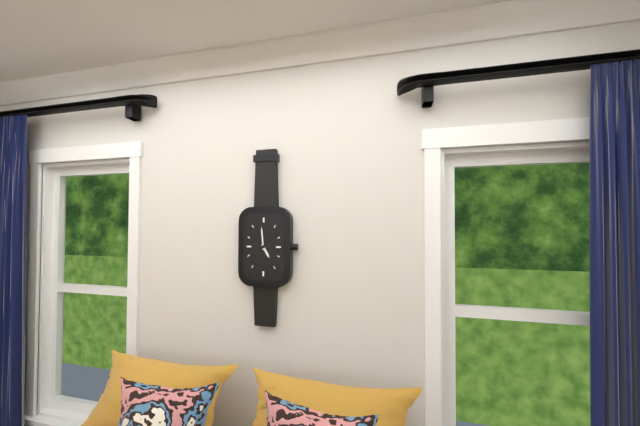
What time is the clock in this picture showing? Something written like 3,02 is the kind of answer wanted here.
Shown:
4,59
